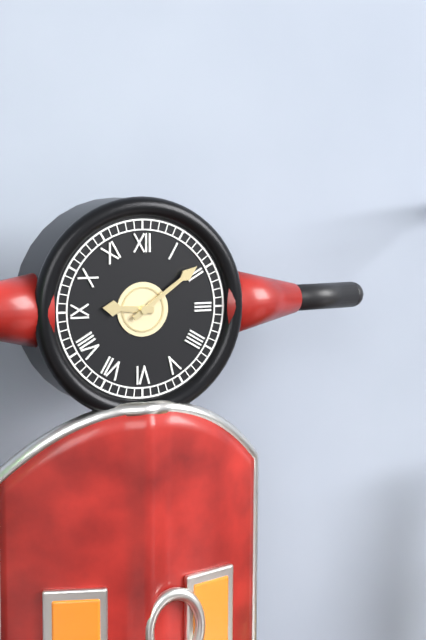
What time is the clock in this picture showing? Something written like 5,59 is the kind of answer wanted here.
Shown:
9,09
